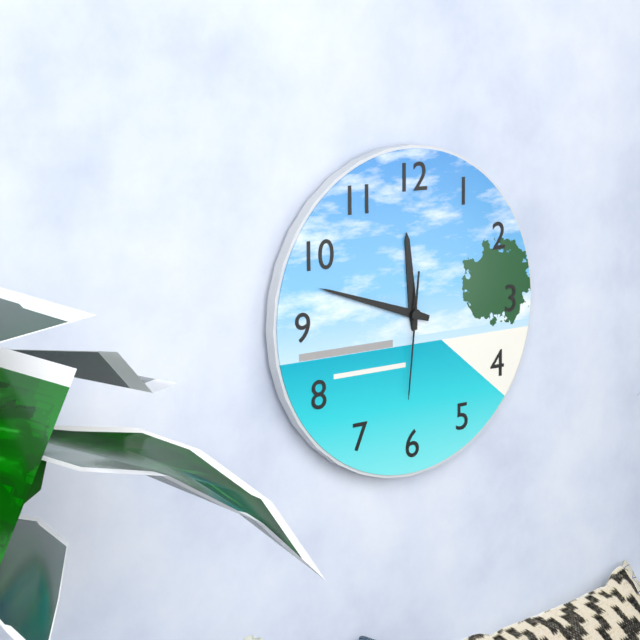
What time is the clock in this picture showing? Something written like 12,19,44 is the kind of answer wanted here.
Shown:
11,48,31
